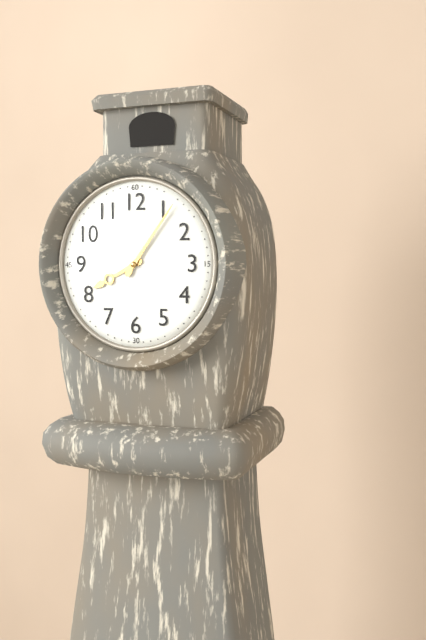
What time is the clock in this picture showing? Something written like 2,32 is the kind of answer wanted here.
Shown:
8,06
